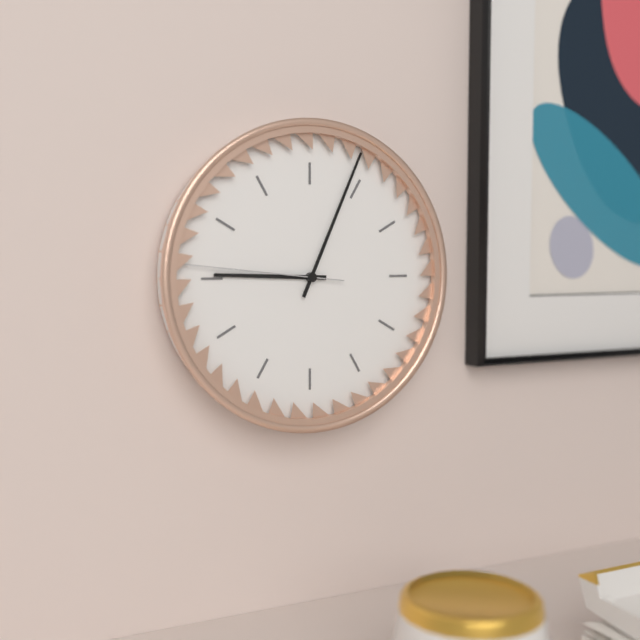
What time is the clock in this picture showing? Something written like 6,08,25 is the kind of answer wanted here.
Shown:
9,04,46
